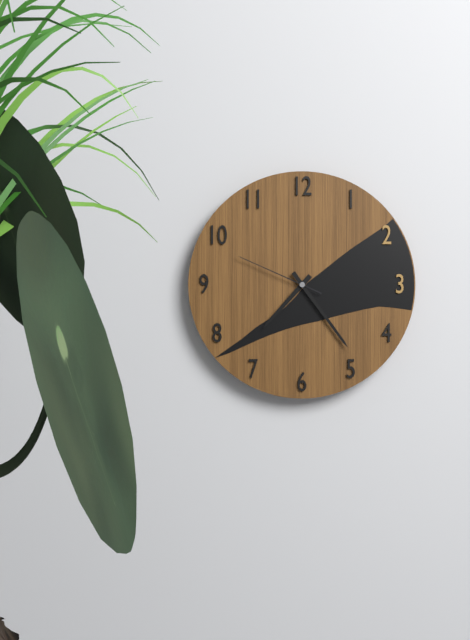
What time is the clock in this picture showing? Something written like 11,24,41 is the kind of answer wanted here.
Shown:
7,24,49
